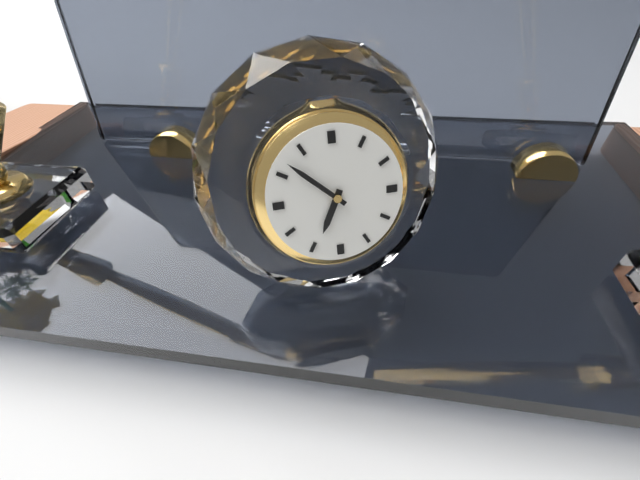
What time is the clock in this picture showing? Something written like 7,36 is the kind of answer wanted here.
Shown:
6,52
